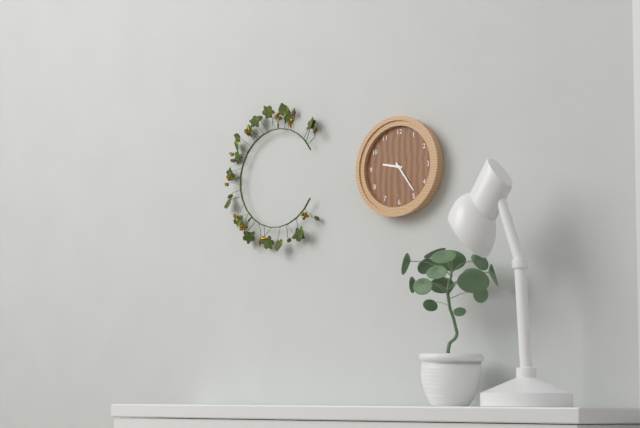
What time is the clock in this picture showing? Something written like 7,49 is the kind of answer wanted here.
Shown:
9,24
